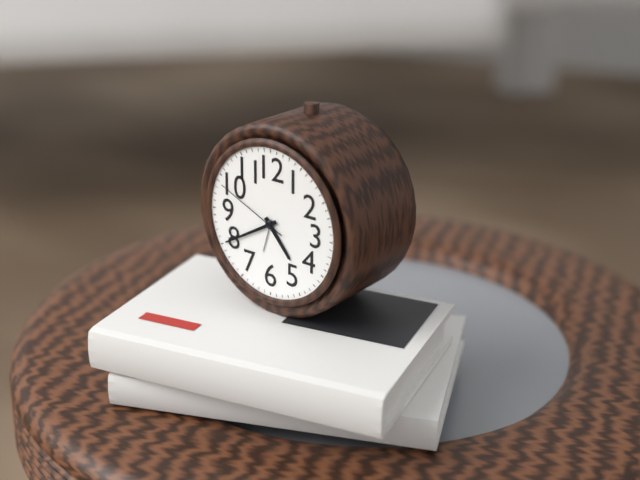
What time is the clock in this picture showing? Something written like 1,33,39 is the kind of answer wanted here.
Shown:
4,40,49
